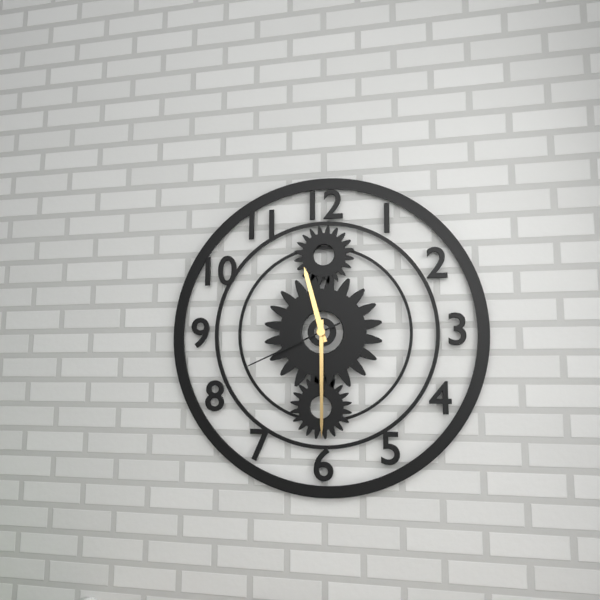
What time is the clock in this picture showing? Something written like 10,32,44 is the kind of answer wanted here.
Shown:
11,30,41
